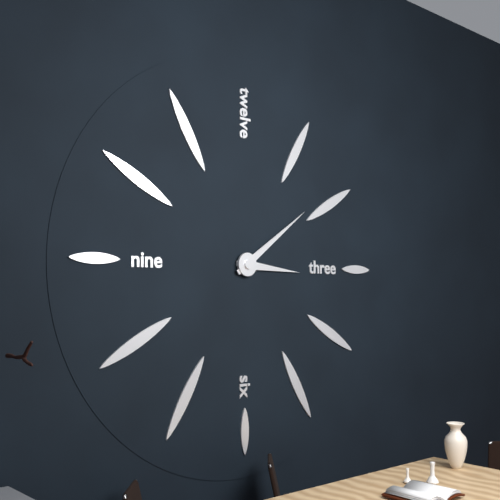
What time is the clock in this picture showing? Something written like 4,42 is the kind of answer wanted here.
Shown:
3,09
